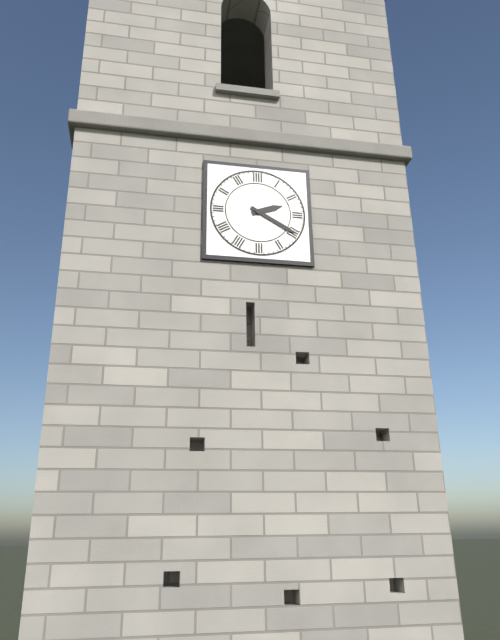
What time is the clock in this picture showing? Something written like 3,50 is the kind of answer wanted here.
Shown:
2,20
